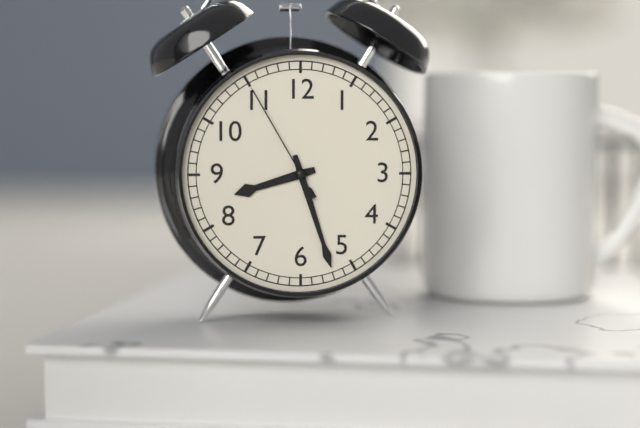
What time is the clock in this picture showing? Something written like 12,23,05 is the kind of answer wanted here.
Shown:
8,27,55
